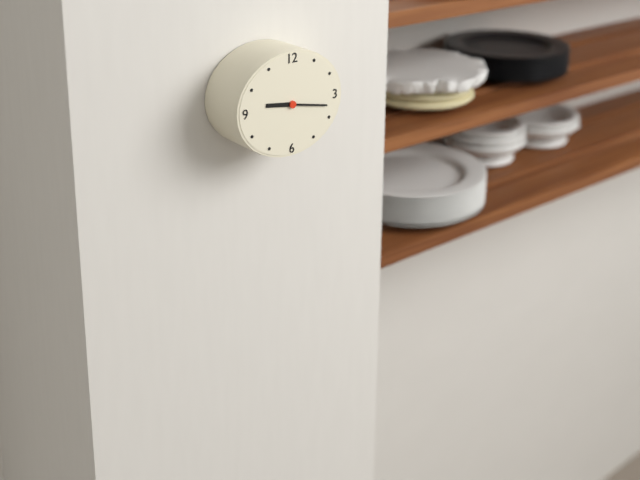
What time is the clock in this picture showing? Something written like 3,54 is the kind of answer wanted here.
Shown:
9,17
